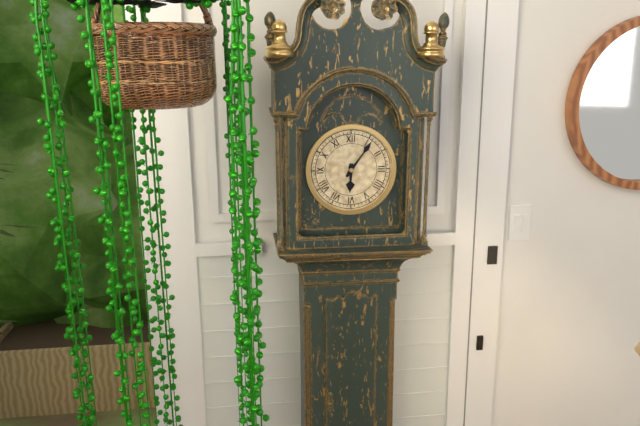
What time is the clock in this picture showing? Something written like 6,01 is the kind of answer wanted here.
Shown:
6,06
